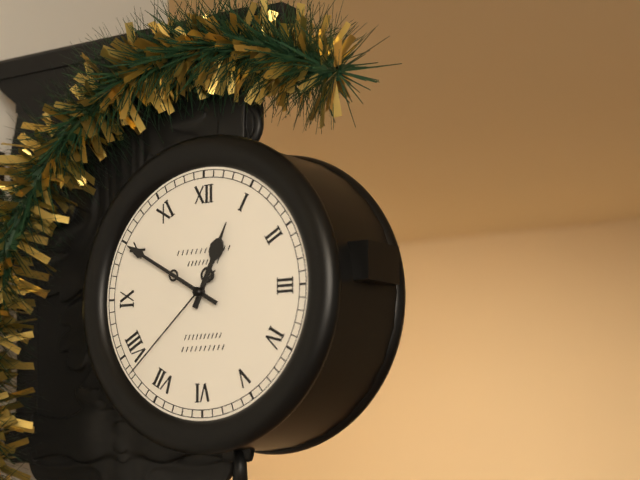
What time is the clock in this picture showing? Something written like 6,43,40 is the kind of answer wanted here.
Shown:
12,50,38
